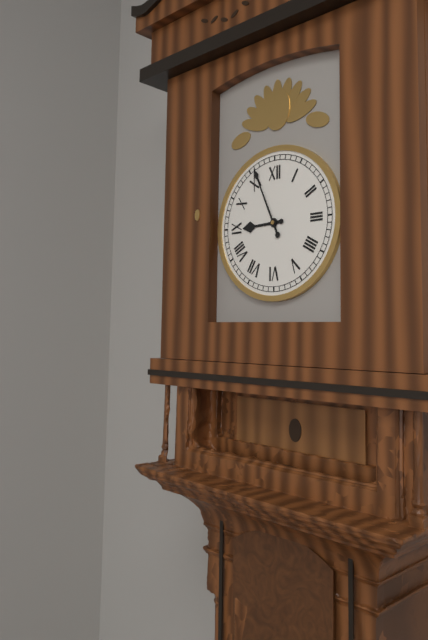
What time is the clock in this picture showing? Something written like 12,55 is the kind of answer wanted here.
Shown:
8,56
